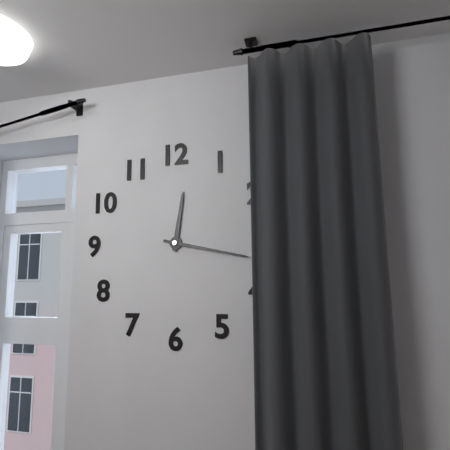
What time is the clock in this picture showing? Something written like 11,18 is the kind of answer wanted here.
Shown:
12,17
